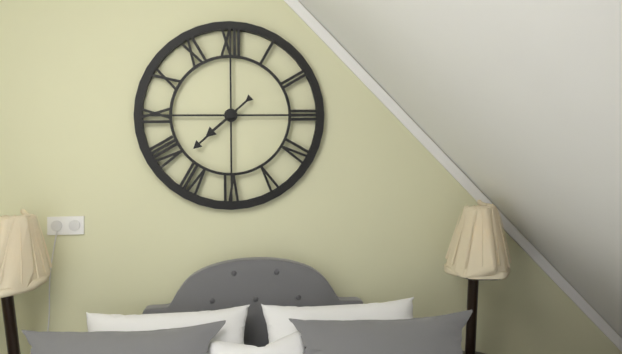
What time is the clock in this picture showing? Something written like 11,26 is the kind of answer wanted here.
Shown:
7,38
